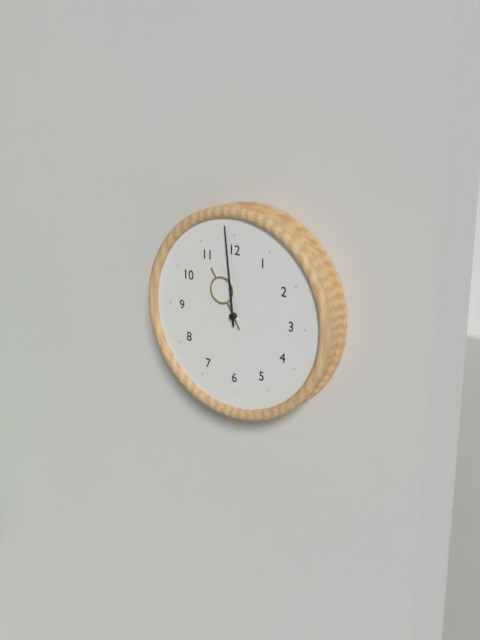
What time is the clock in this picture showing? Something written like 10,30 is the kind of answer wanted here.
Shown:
10,59
